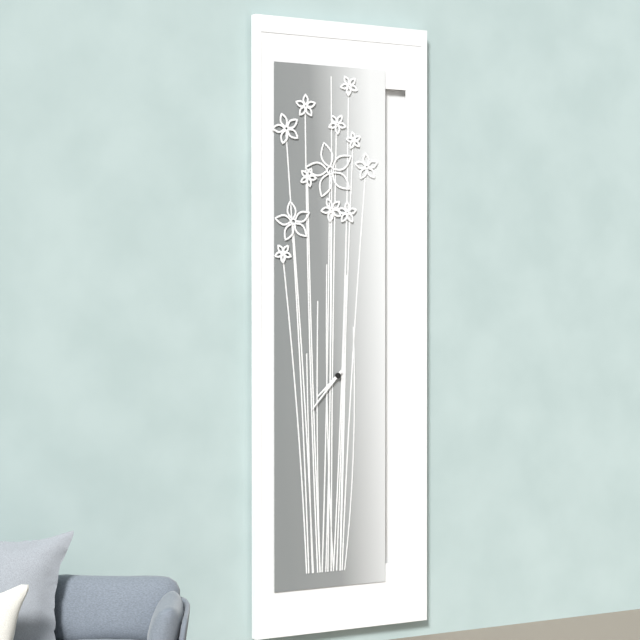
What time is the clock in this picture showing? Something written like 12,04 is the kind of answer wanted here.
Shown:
7,37
